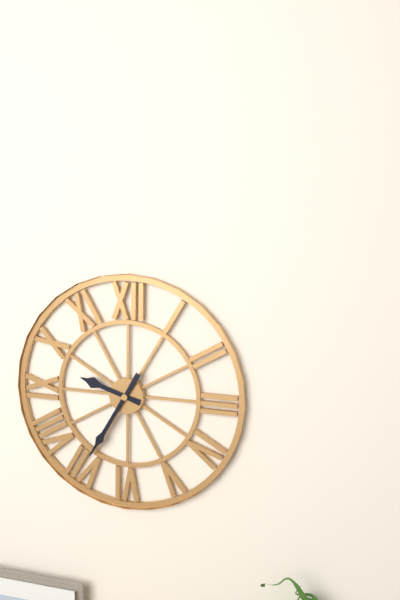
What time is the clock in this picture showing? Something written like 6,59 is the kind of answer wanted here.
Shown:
9,35
